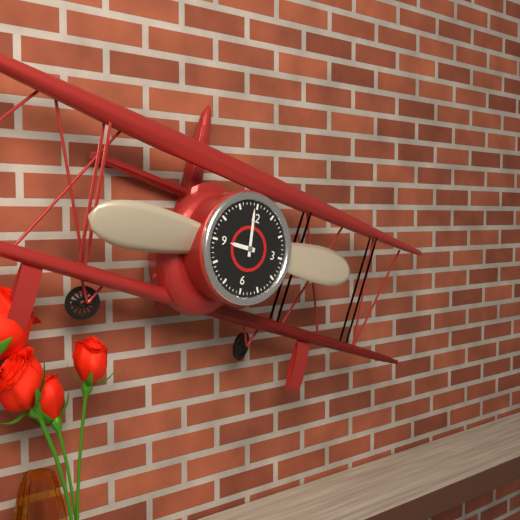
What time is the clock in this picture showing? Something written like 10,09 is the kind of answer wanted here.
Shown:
8,59
